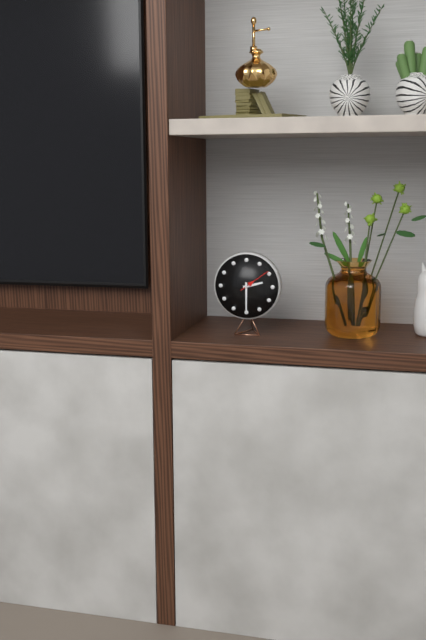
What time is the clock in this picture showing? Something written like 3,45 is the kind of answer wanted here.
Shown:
2,30
